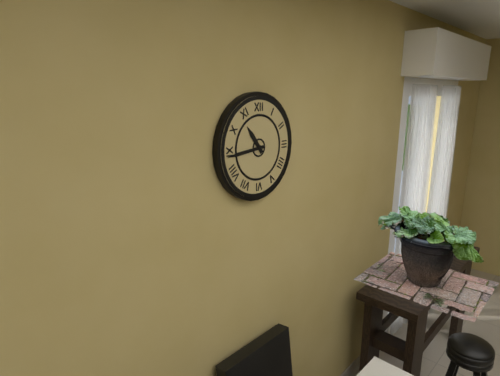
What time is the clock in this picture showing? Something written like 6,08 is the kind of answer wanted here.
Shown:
10,44
